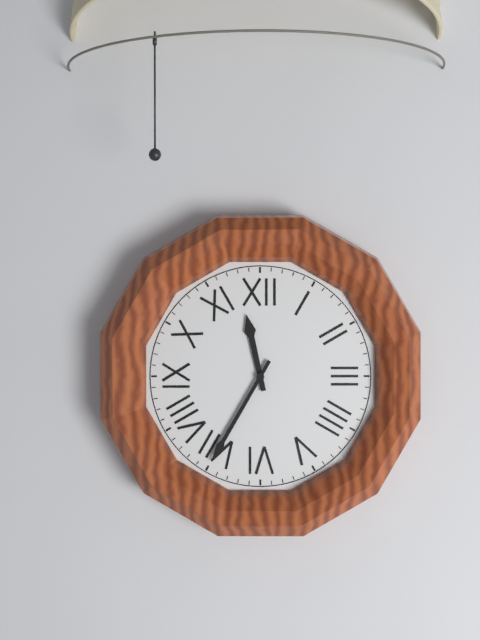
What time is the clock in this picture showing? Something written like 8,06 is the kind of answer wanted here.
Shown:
11,35
